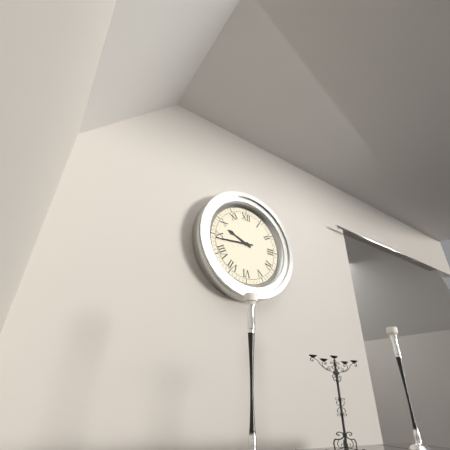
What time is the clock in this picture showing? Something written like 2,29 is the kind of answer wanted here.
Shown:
9,44
